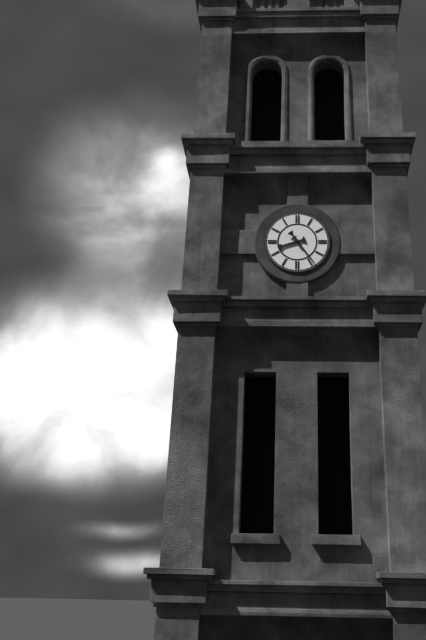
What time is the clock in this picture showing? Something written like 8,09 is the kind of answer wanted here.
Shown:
8,24
